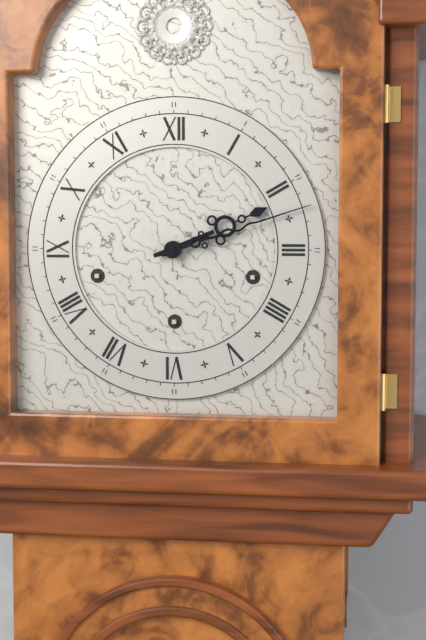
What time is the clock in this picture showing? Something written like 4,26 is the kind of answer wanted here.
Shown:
2,12
